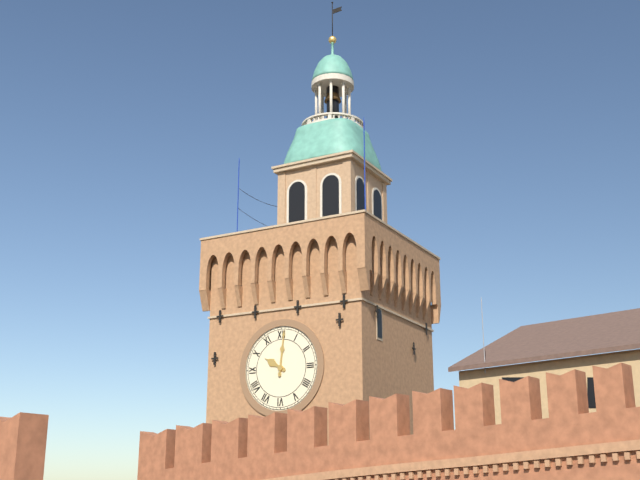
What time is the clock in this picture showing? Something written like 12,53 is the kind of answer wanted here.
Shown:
10,01
